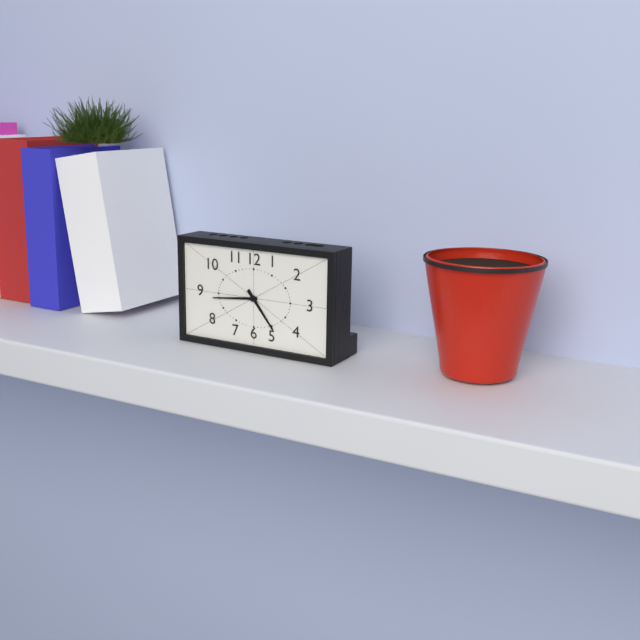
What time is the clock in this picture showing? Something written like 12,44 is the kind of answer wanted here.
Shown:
4,44
